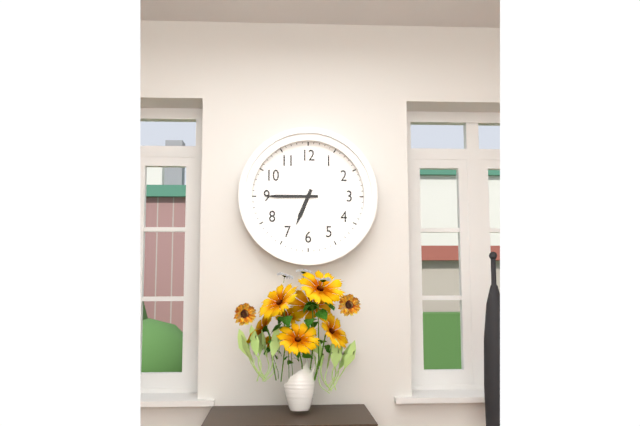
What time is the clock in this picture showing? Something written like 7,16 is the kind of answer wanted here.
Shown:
6,45
